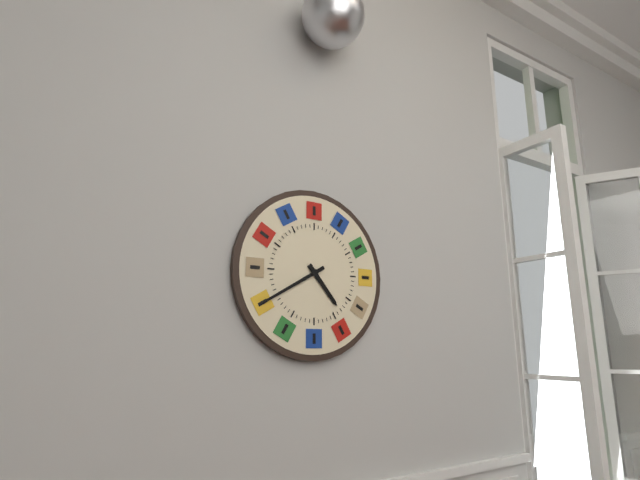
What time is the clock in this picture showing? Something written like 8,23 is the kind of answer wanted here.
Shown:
4,40
